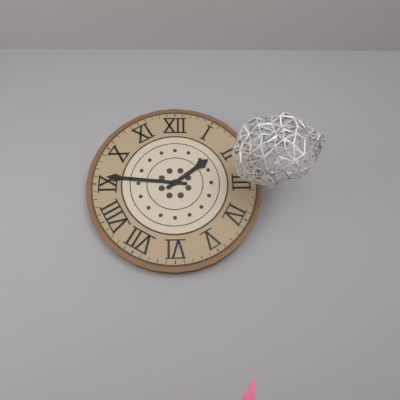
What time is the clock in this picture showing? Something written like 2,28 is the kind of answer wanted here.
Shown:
1,46
